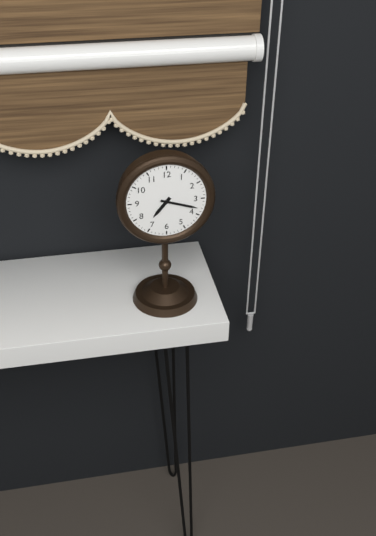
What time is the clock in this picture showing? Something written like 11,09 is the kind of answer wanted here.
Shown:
7,18
